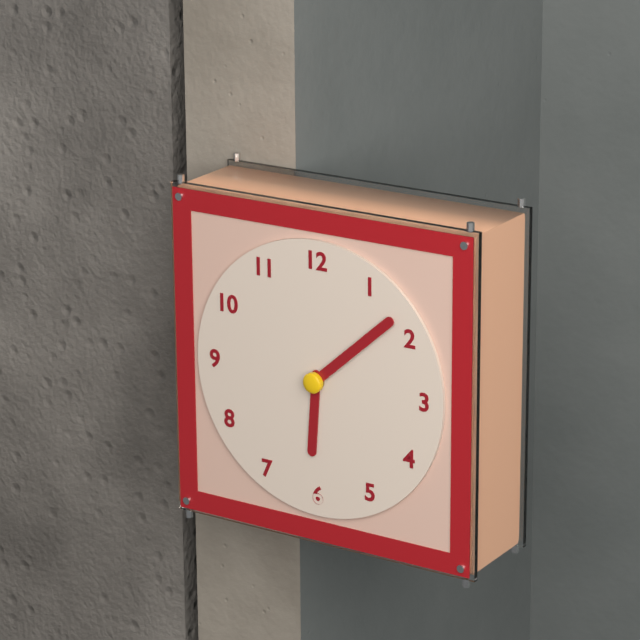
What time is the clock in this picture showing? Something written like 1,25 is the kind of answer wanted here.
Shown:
6,08
